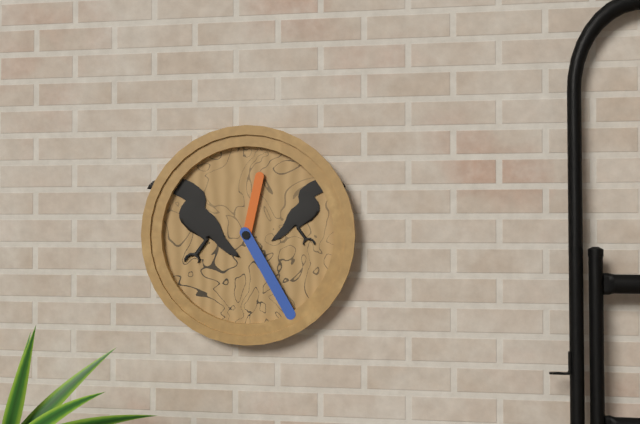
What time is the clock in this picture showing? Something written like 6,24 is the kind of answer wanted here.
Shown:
12,25
